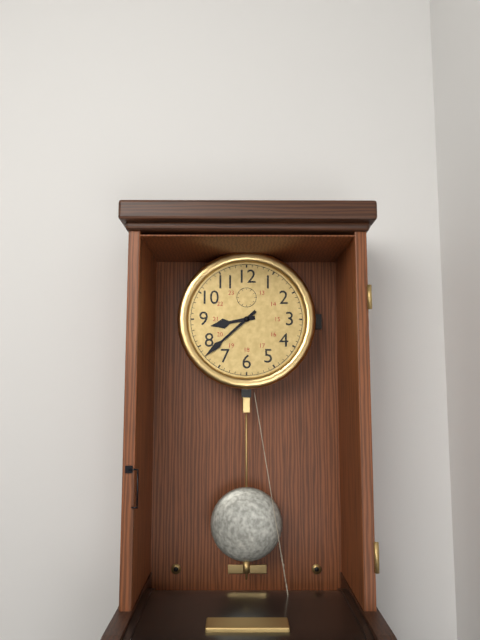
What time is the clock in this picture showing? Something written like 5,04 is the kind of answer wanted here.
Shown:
8,38
